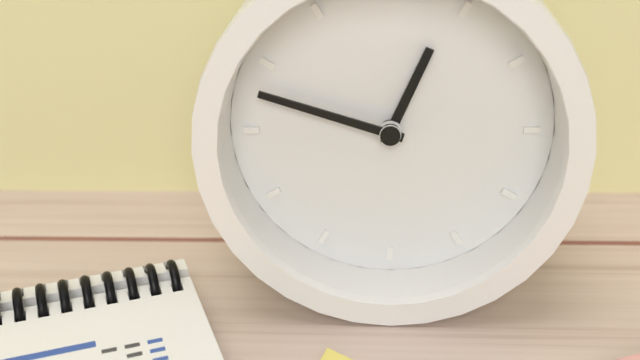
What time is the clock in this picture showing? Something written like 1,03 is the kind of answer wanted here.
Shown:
12,48
